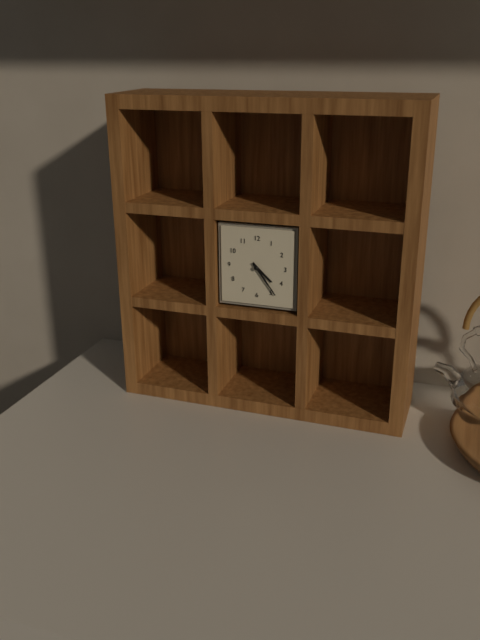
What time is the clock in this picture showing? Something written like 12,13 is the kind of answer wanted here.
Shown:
4,24
